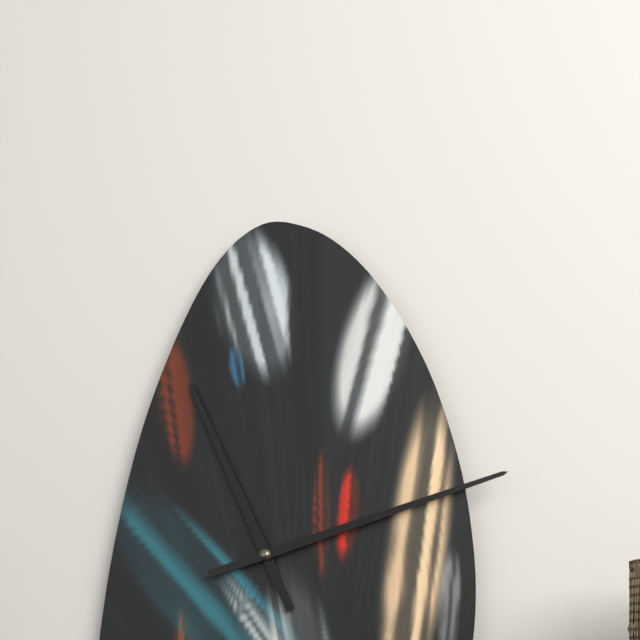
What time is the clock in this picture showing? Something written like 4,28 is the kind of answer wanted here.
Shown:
11,12
